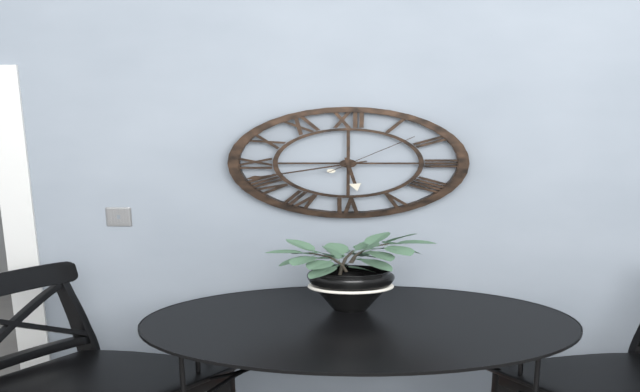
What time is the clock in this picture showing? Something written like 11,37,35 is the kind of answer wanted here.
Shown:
5,42,08
